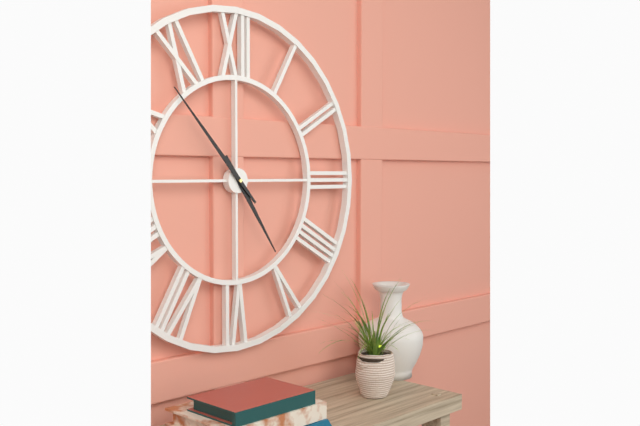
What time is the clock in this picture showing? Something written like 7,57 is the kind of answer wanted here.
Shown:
4,53
